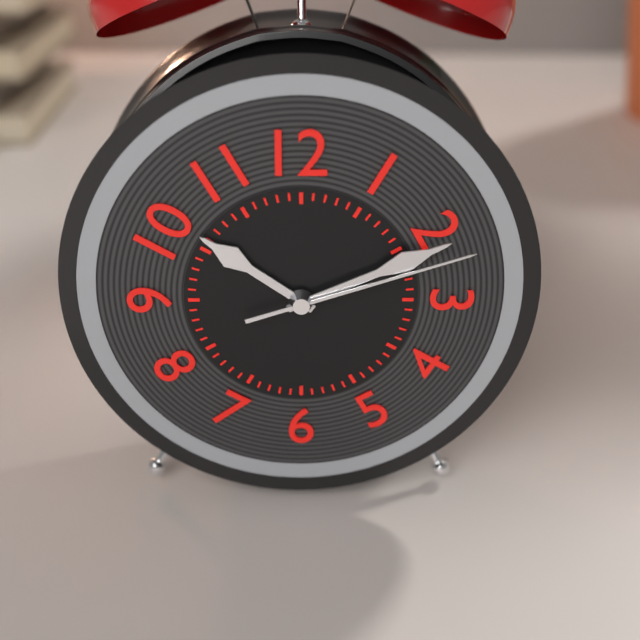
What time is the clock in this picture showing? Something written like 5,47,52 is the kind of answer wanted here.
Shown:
10,11,12
